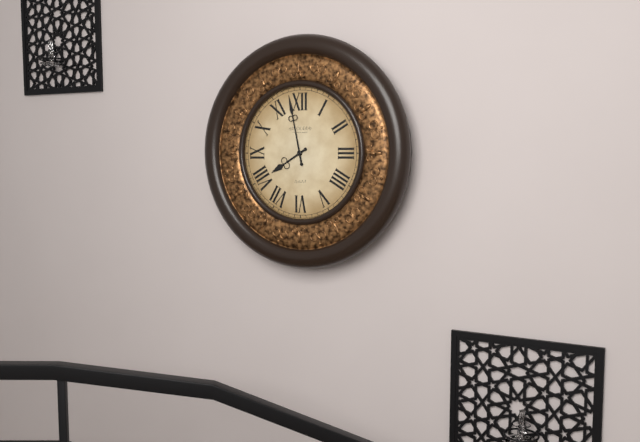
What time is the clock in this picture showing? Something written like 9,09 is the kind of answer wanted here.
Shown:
7,58
